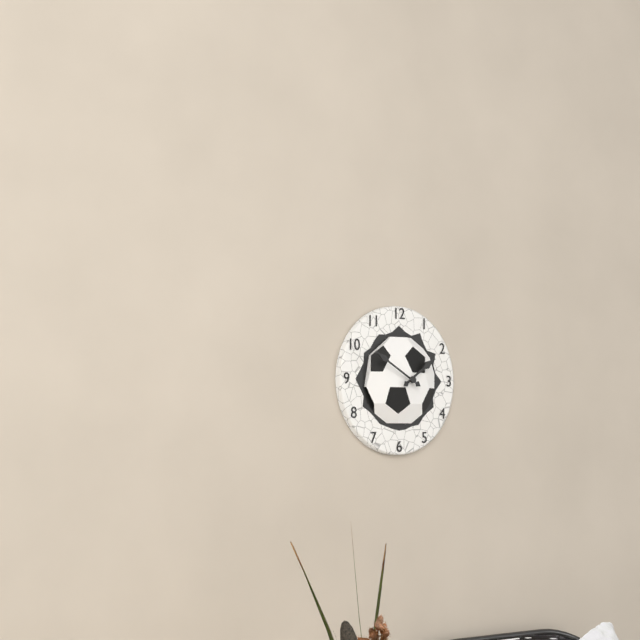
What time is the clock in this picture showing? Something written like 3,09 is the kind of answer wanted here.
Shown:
1,50
